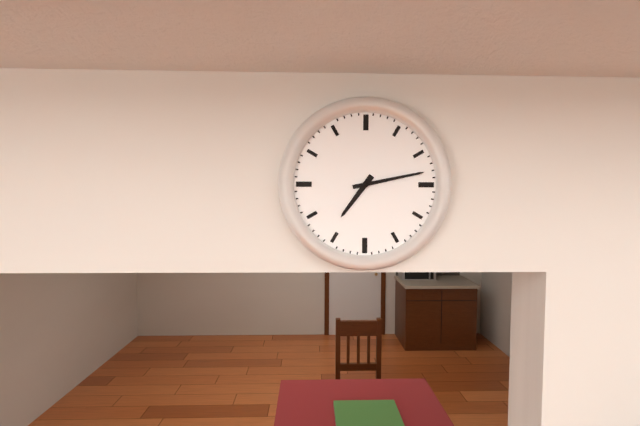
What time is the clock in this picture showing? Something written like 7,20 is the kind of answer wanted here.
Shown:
7,13
